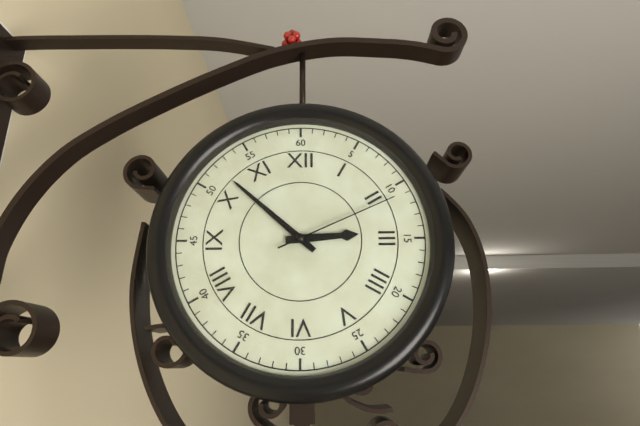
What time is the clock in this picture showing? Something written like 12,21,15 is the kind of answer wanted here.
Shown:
2,52,11
